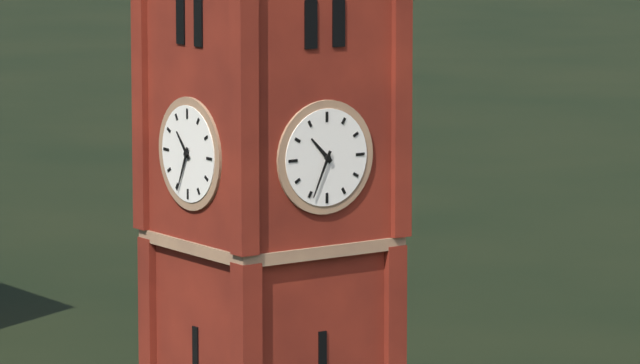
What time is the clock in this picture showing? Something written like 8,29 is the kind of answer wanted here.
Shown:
10,34
